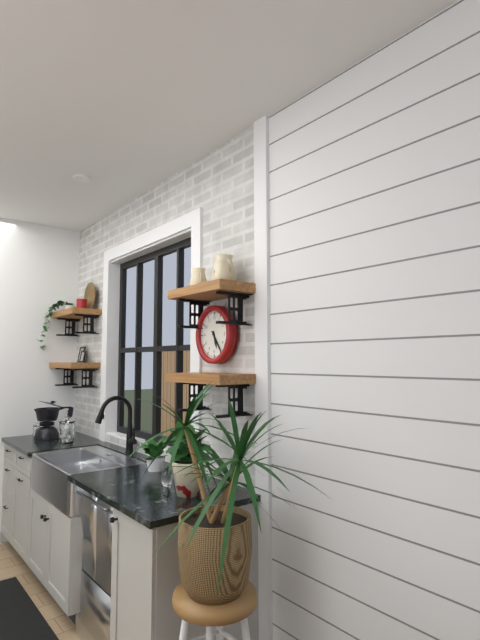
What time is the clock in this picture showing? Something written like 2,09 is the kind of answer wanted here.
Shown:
5,24
